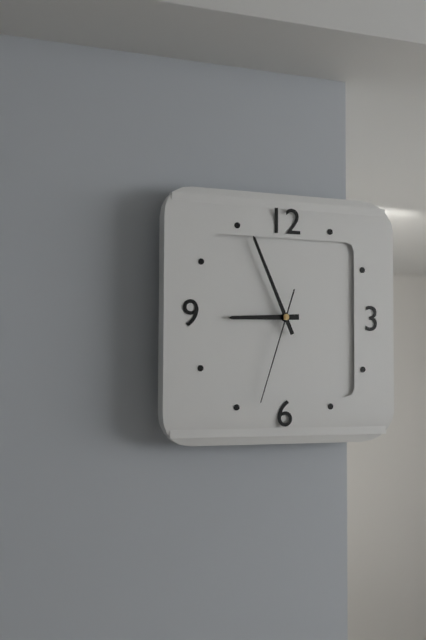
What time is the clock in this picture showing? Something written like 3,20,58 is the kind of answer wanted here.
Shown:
8,56,33
